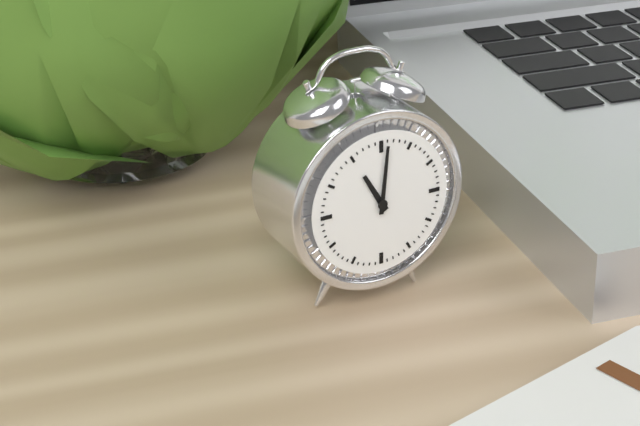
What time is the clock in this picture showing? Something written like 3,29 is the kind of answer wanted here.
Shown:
11,01
